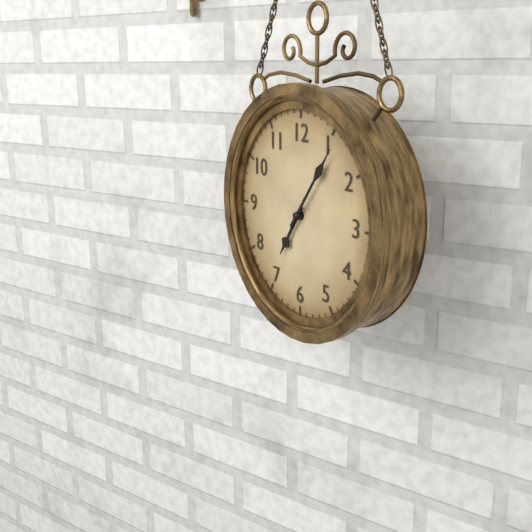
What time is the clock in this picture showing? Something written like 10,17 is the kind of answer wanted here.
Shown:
7,06
